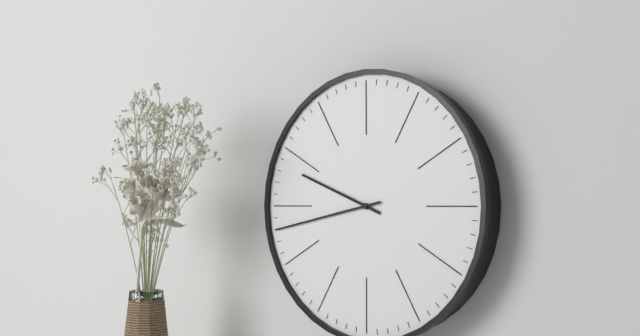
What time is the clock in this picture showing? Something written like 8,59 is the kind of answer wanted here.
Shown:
9,43
